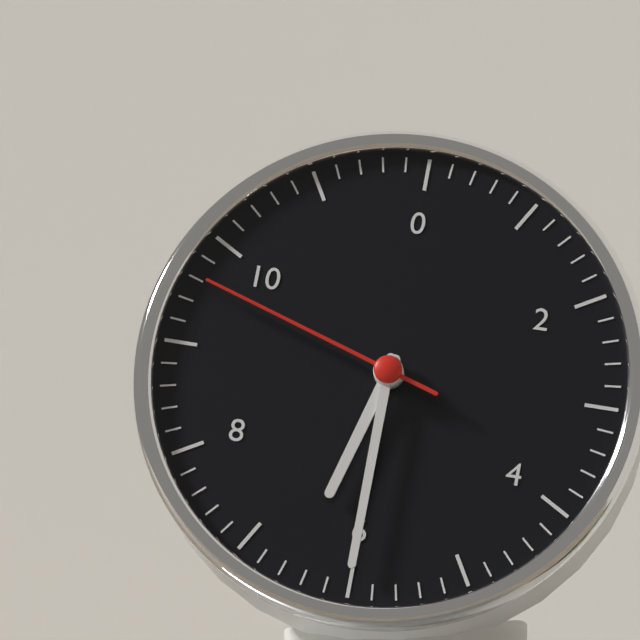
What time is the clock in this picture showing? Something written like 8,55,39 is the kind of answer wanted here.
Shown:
6,30,48
